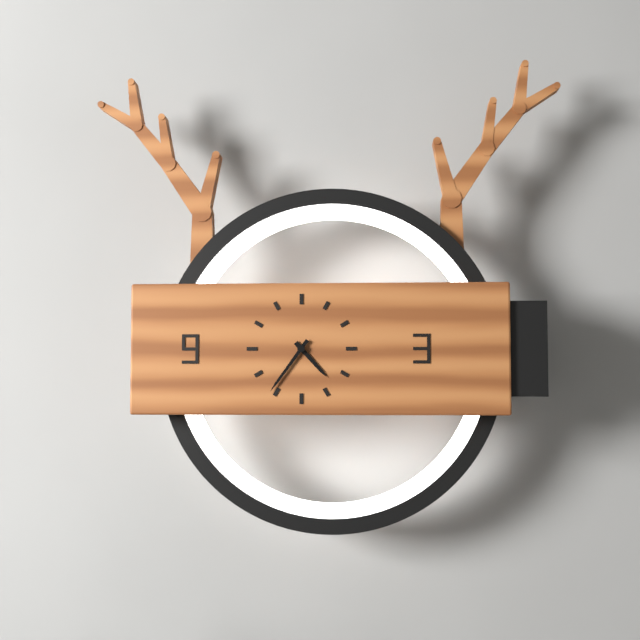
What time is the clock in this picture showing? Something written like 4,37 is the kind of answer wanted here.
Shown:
4,36
